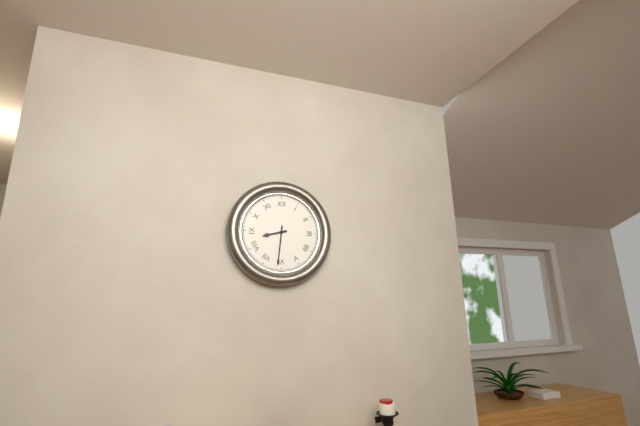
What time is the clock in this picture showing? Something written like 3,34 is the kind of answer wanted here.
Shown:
8,31
